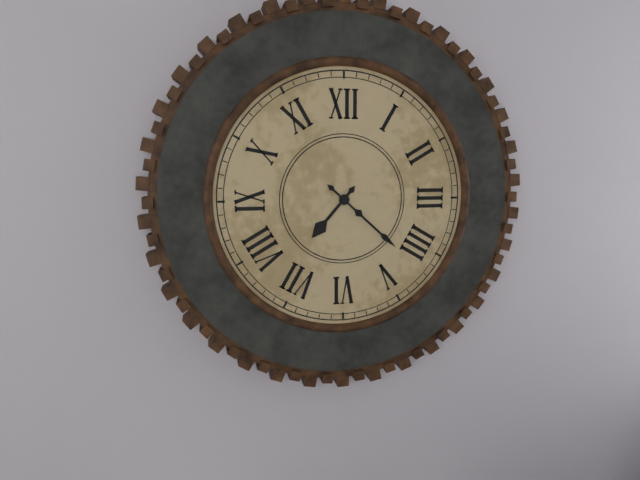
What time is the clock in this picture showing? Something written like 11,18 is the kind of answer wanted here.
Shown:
7,22
